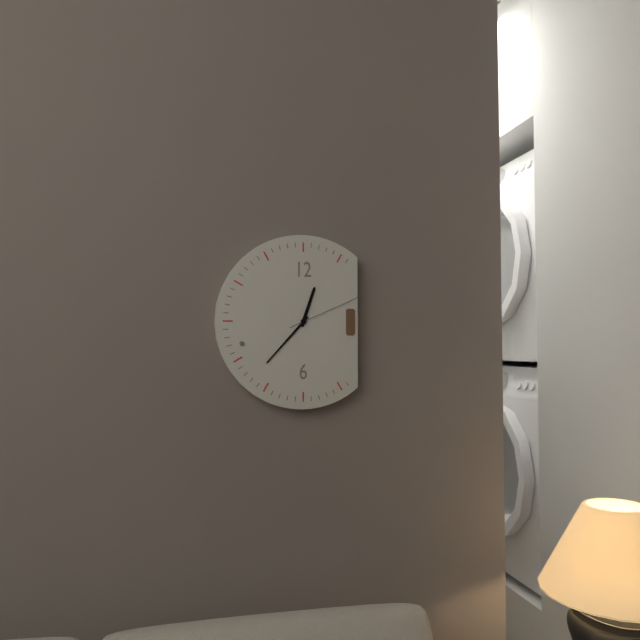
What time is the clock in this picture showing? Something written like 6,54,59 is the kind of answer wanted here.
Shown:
12,37,11
